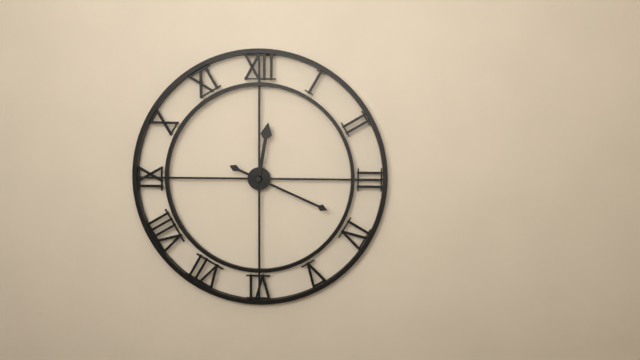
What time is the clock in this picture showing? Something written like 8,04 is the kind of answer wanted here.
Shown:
12,19
